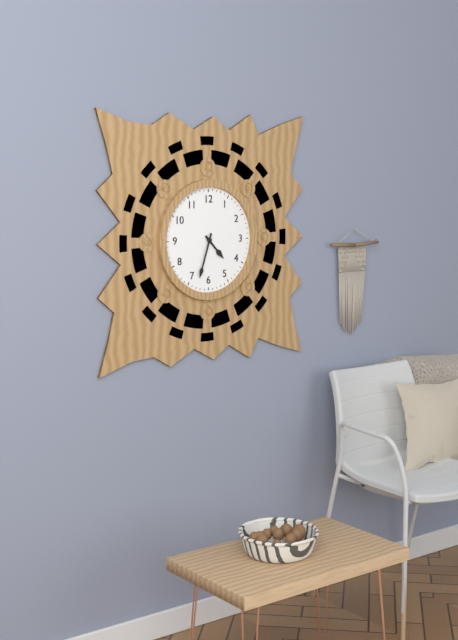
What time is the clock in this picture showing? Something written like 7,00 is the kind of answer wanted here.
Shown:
4,33
